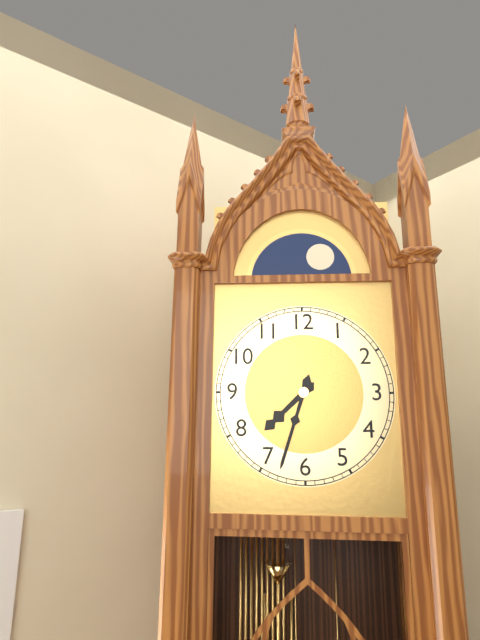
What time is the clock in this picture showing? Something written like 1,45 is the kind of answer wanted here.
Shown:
7,33
